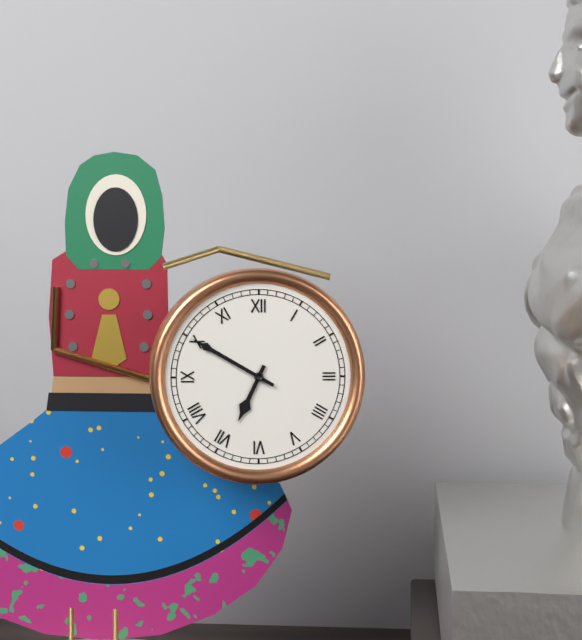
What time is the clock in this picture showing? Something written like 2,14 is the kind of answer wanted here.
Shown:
6,50
